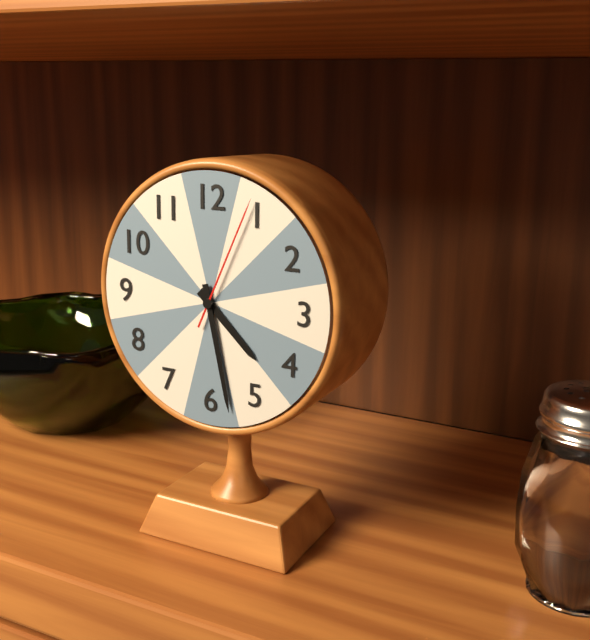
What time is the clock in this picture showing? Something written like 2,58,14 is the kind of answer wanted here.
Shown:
4,28,04
